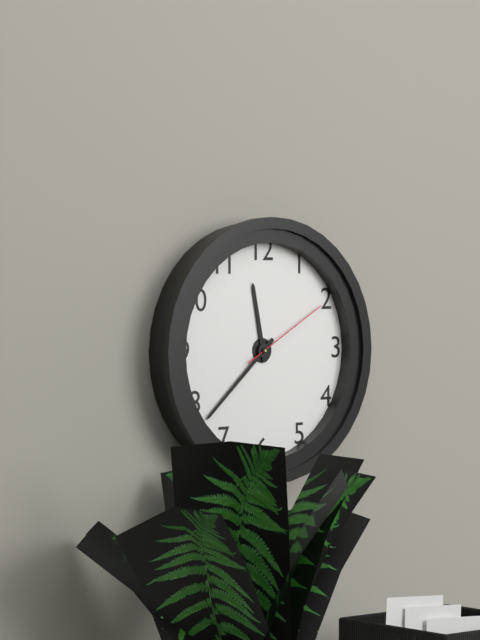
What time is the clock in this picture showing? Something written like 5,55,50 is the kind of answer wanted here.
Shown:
11,38,10
